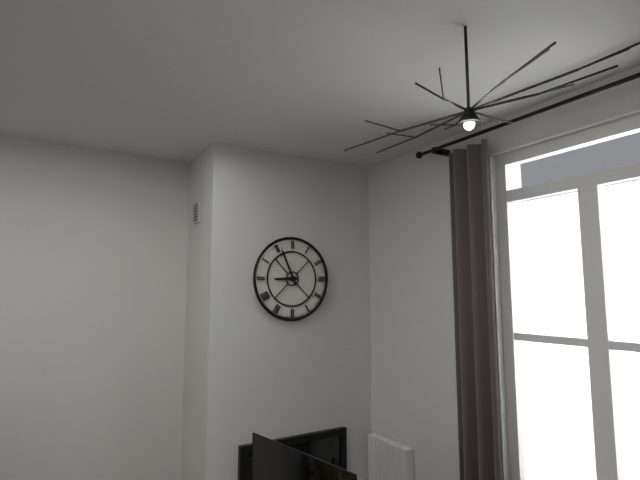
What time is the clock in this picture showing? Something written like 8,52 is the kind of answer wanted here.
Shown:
8,56
